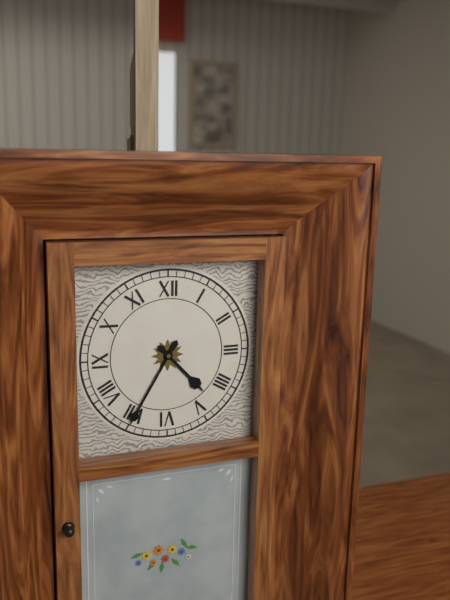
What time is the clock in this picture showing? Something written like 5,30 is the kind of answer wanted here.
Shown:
4,35
